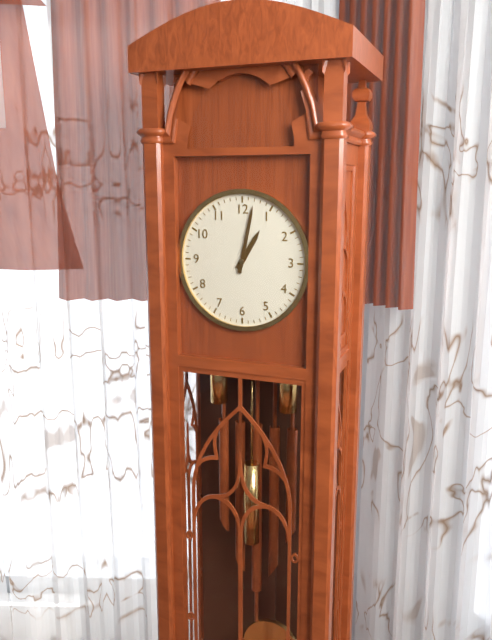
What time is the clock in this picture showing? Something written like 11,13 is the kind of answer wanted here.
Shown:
1,02
